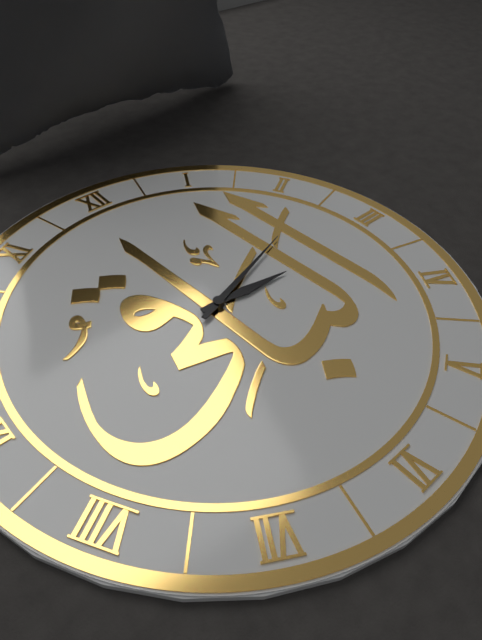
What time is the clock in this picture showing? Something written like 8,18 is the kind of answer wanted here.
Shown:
3,12
